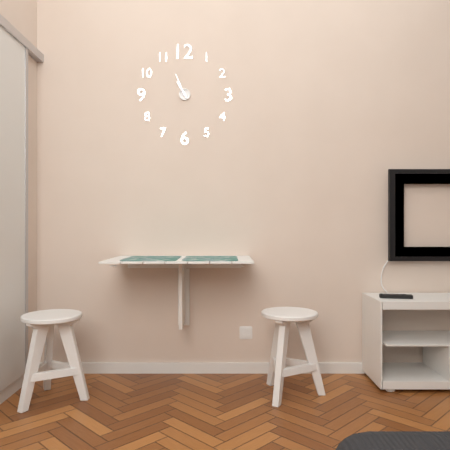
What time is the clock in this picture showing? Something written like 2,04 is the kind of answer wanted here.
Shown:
10,56
